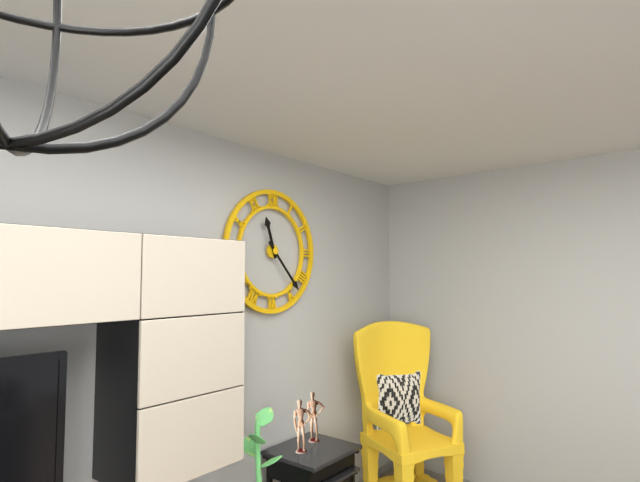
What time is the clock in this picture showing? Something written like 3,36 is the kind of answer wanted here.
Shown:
11,23
